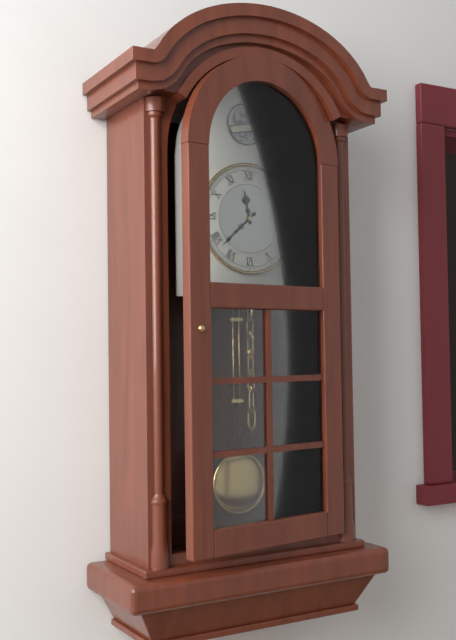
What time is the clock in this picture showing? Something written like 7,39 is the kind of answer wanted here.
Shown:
11,38
